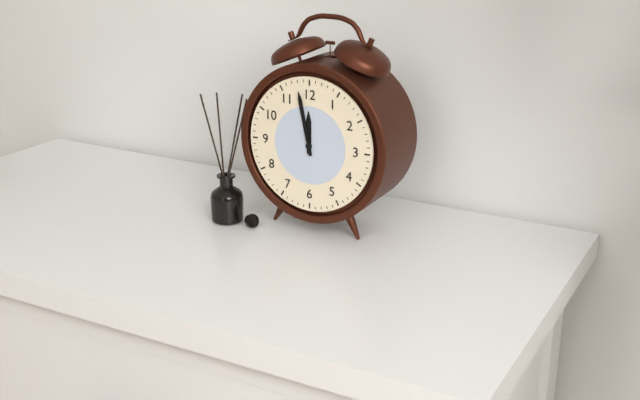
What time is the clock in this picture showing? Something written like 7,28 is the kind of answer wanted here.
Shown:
11,58
